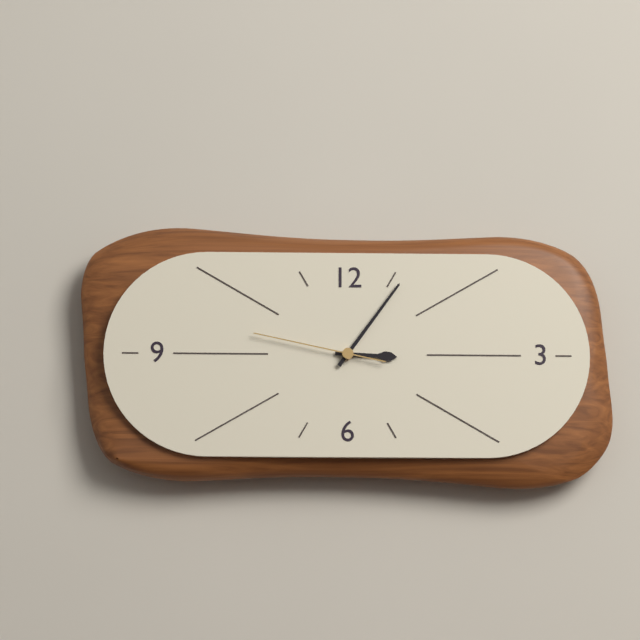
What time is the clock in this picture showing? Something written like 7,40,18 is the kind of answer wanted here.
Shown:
3,06,47
